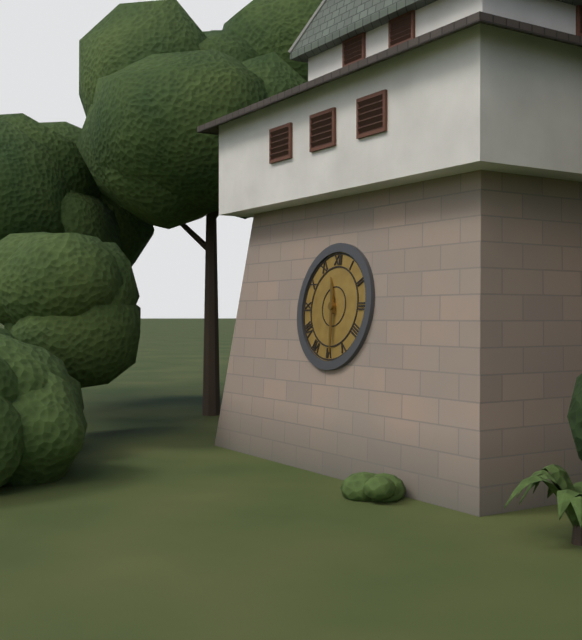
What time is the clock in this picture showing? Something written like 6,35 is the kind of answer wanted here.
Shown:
11,29
